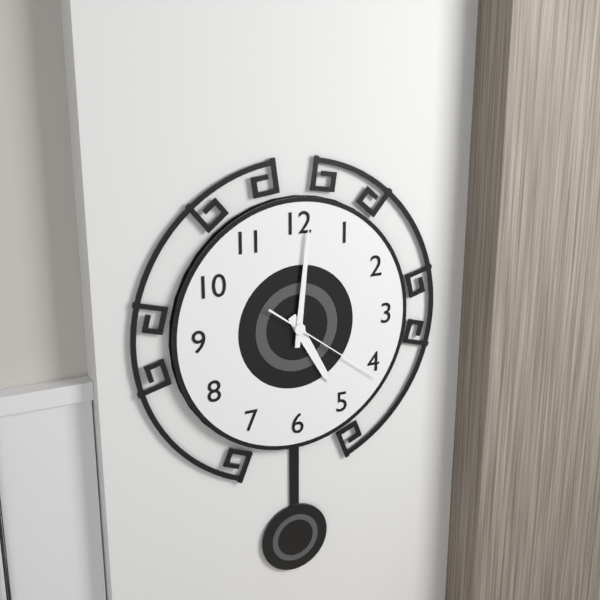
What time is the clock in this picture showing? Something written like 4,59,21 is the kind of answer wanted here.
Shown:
5,01,21
